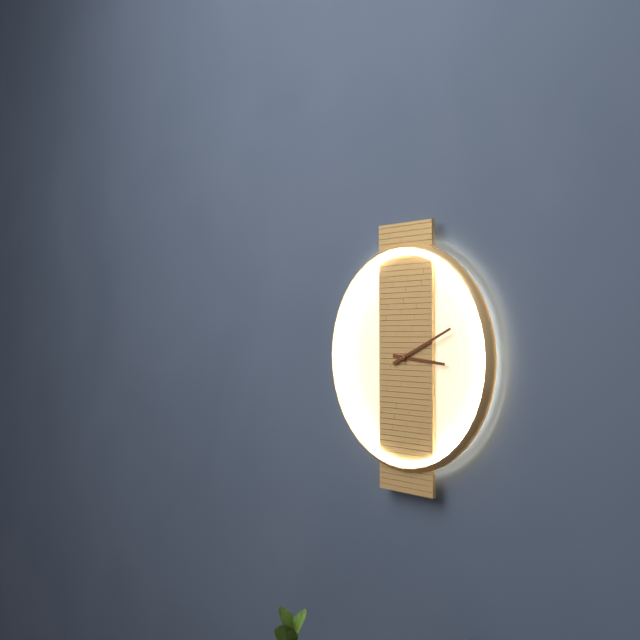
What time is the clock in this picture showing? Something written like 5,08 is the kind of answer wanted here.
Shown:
3,11
